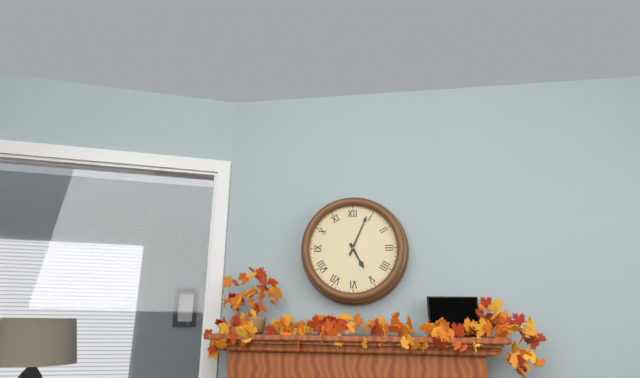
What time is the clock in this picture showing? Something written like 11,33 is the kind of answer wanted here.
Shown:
5,04
